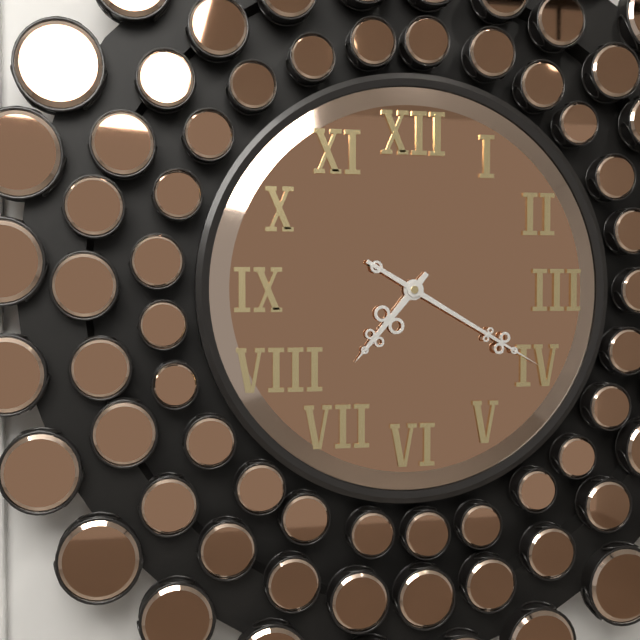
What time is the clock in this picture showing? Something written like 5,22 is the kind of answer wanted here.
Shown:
7,20
